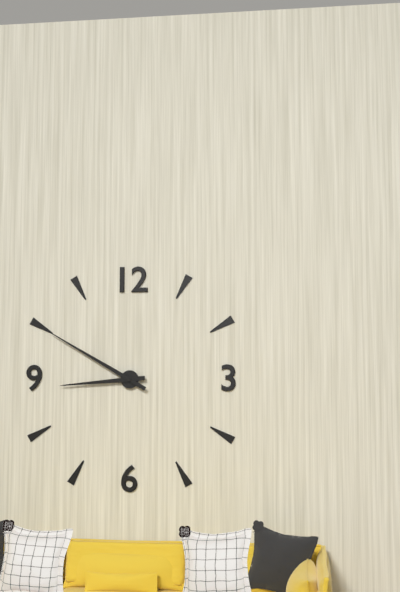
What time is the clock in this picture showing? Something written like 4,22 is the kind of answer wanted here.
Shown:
8,50
